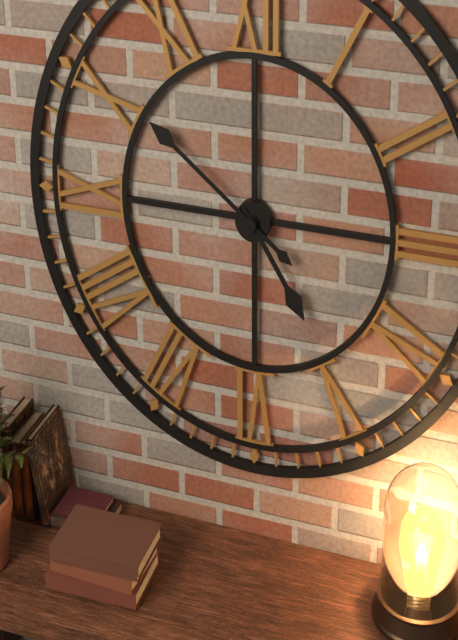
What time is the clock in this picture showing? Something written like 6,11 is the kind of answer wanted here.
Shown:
4,51
